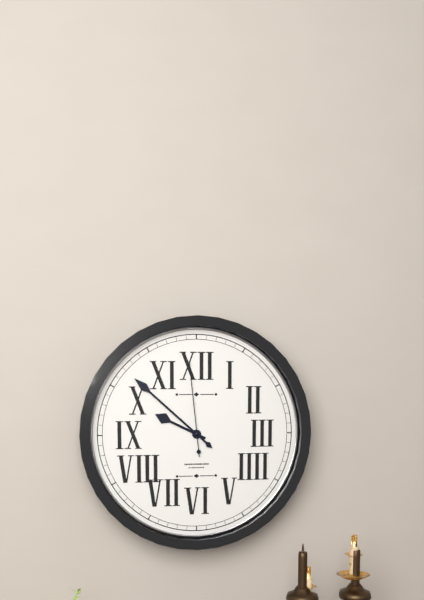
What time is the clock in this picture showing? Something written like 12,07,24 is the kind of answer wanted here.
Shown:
9,52,59
